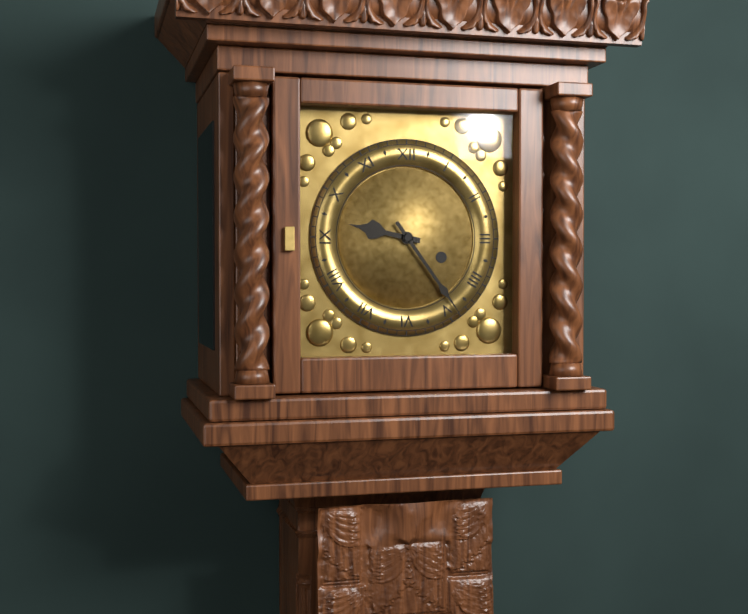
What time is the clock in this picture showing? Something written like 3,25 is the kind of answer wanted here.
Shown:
9,24
